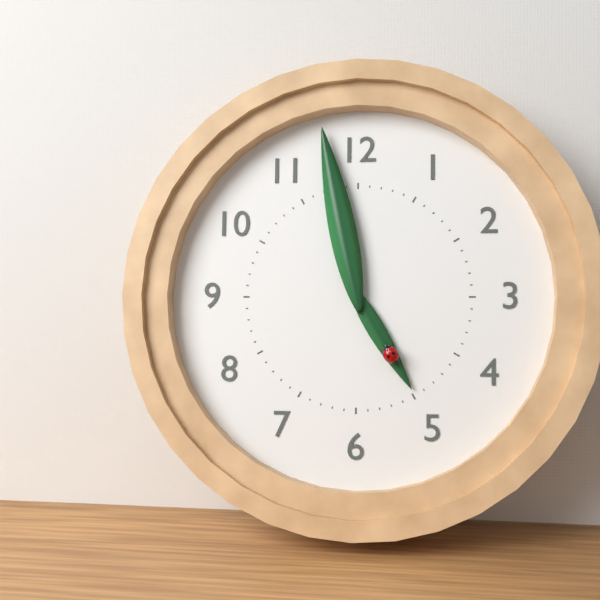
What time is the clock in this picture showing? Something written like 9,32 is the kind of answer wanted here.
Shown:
4,58
